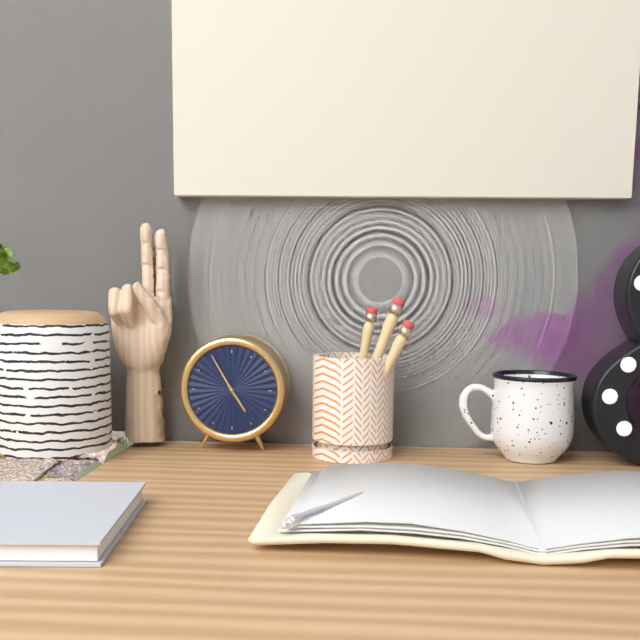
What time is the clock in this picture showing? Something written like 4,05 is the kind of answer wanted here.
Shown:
4,55
